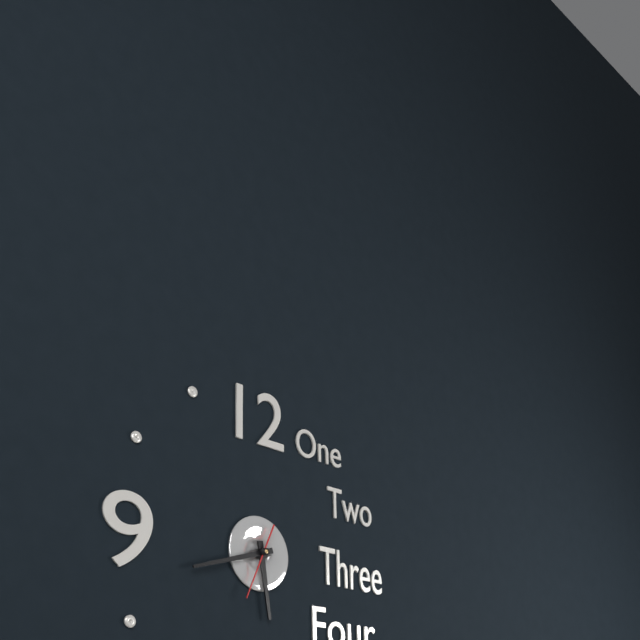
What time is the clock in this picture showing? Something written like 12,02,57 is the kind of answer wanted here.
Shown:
5,42,34
